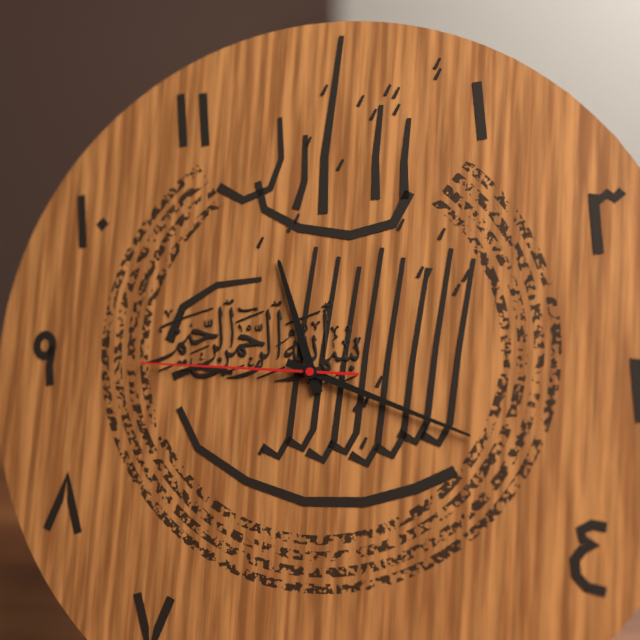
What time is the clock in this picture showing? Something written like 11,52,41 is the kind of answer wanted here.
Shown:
11,18,45
